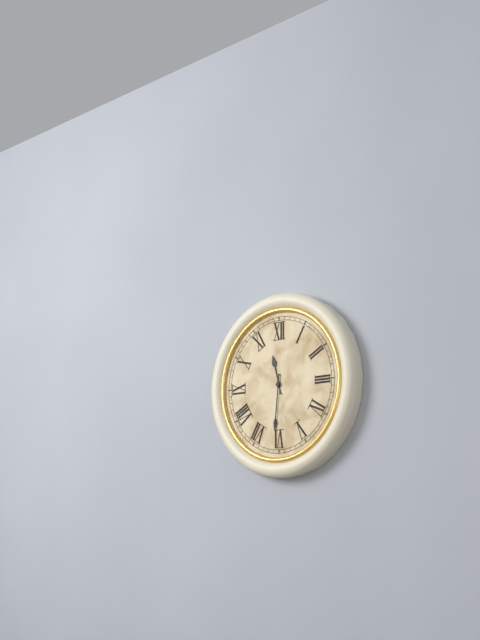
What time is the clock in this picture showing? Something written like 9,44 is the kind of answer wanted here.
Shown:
11,31
